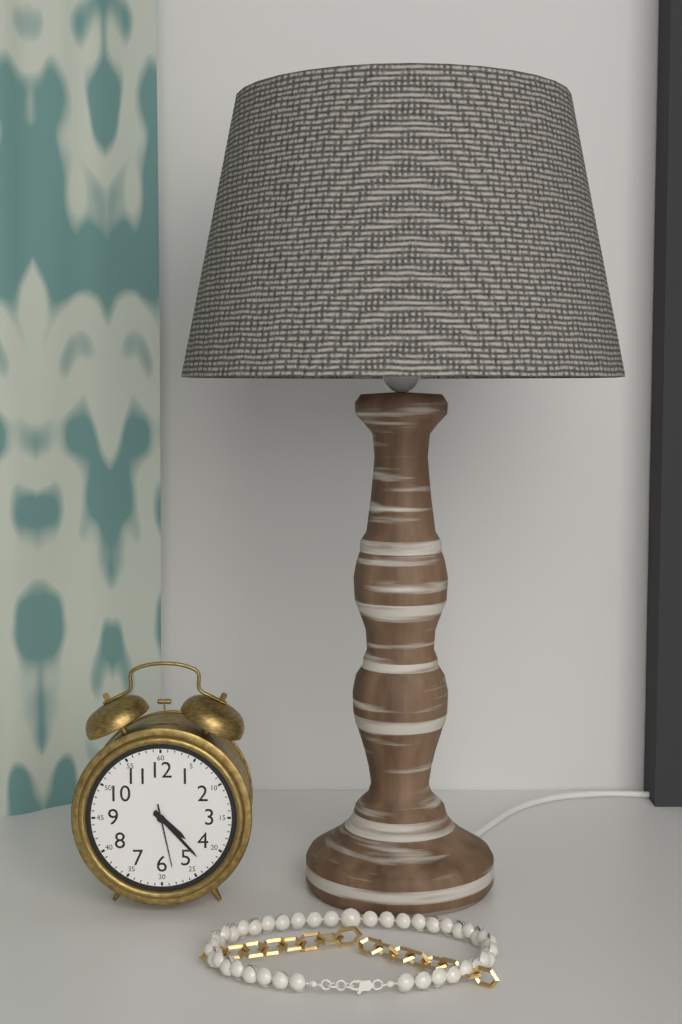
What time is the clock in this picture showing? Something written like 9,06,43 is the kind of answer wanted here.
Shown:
4,23,28
